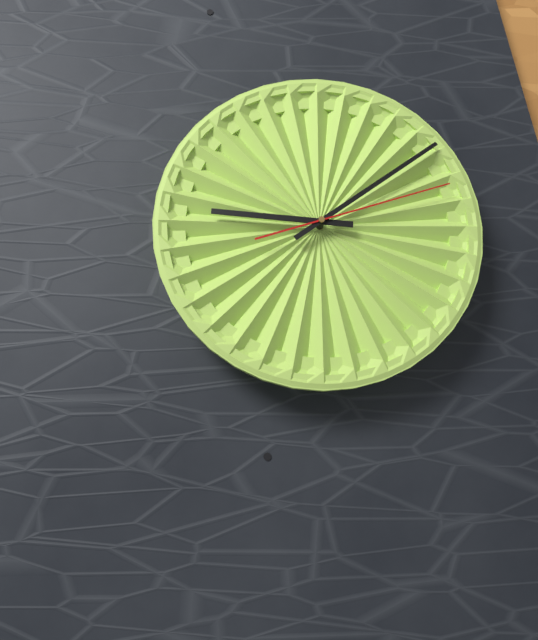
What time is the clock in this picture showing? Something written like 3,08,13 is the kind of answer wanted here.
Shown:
9,09,12
